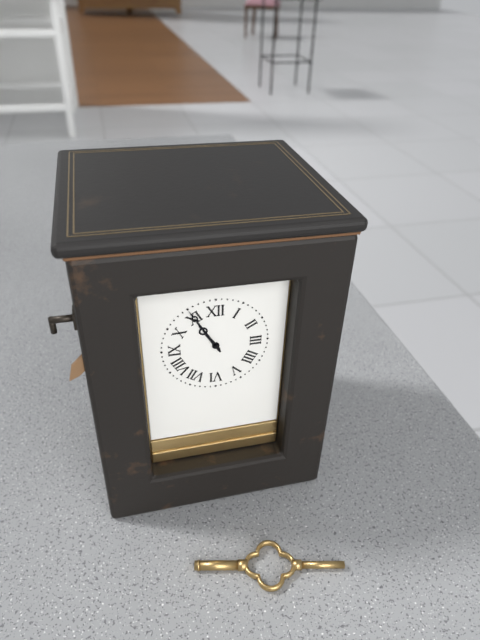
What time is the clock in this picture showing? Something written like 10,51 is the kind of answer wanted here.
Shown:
10,55
